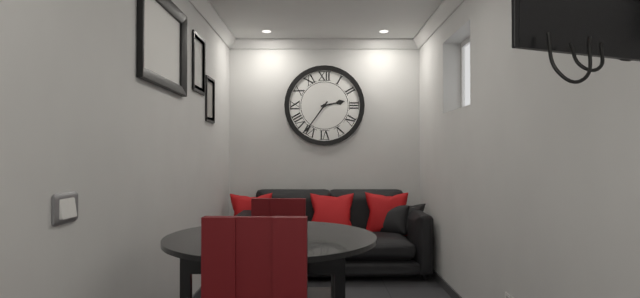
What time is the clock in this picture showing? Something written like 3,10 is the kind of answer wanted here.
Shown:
2,36
